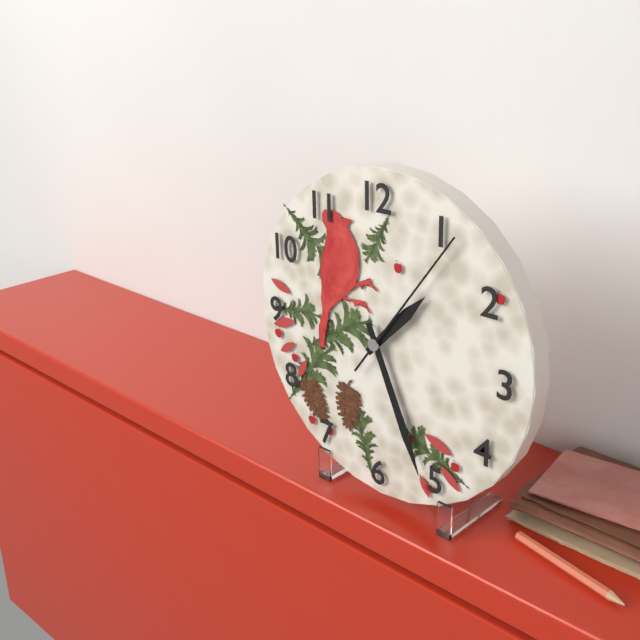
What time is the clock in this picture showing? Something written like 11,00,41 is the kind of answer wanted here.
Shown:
1,26,06
